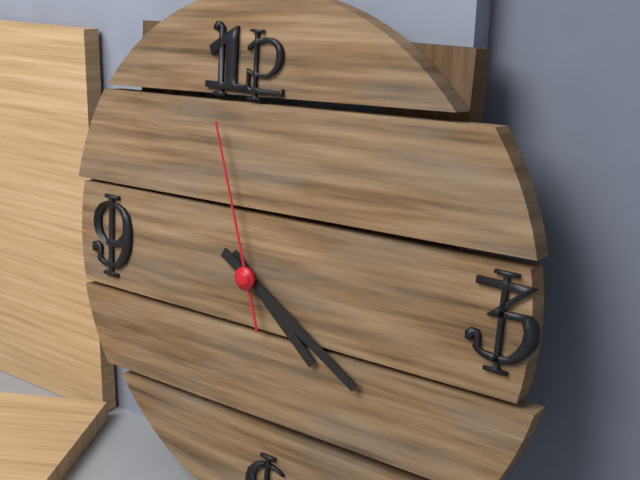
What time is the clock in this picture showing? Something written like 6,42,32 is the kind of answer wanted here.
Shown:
4,20,57
